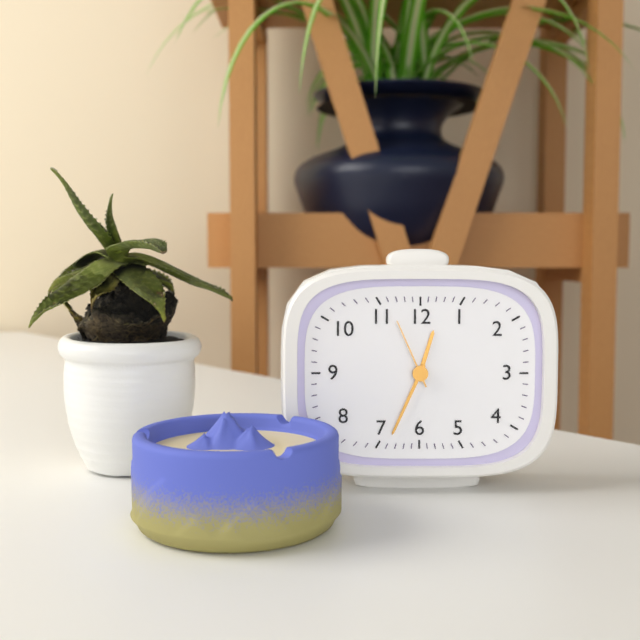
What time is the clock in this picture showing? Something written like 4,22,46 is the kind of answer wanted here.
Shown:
12,34,56
